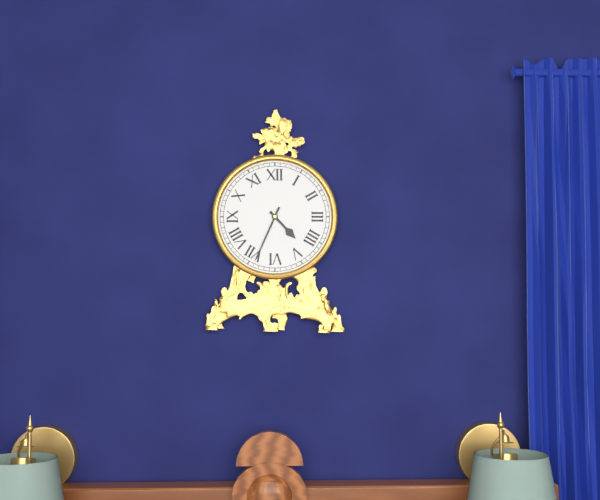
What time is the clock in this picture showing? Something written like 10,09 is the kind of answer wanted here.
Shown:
4,34
